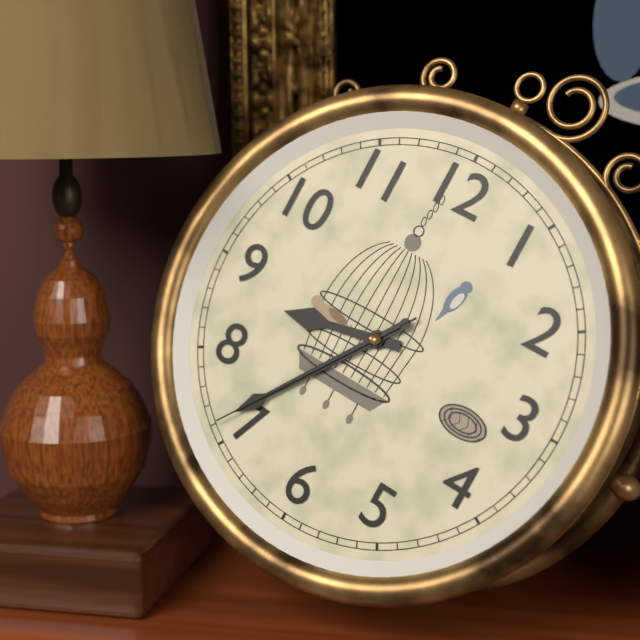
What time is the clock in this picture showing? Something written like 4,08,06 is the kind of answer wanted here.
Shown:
8,36,36
